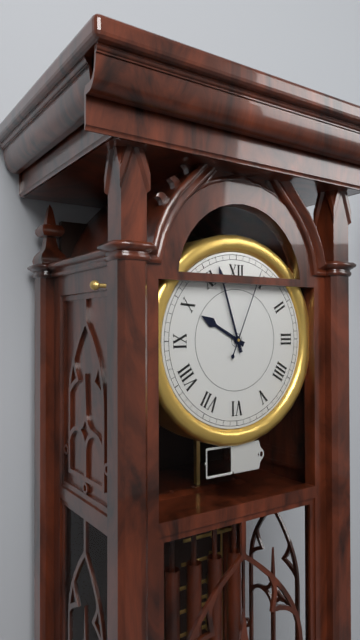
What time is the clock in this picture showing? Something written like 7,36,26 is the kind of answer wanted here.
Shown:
9,57,04
